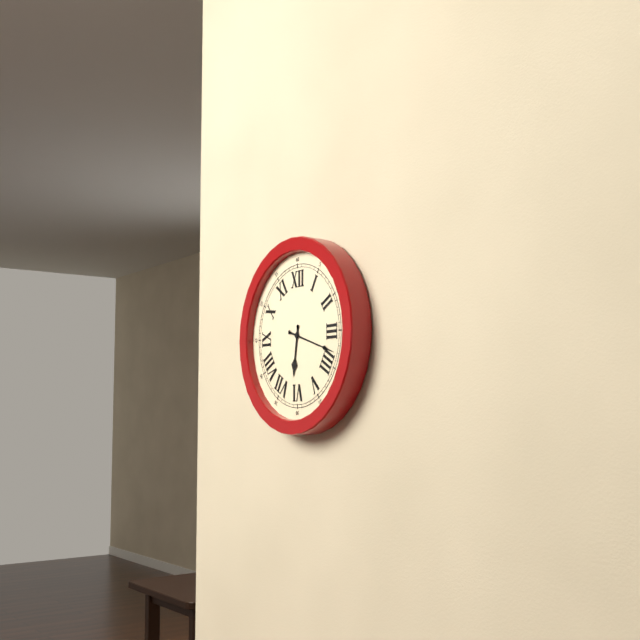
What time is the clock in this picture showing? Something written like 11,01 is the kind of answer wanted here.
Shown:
6,18
